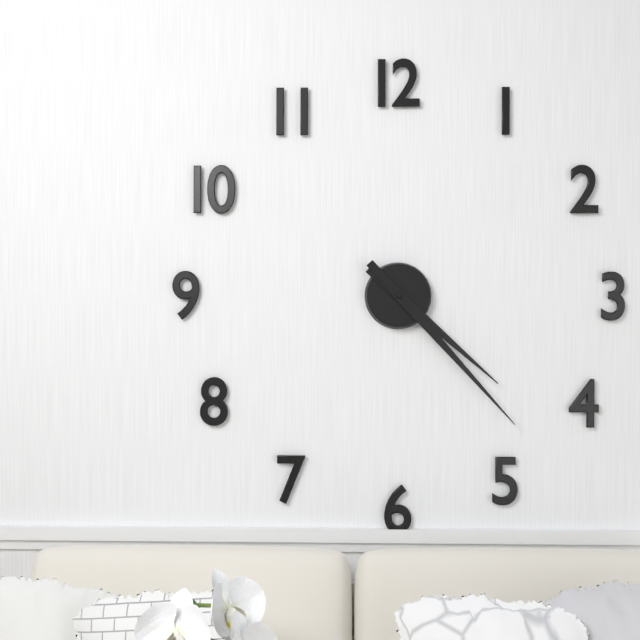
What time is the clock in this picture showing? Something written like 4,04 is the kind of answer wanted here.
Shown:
4,23
